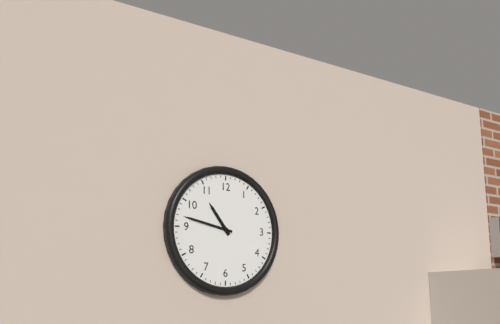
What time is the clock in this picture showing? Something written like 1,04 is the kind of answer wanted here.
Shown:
10,47
